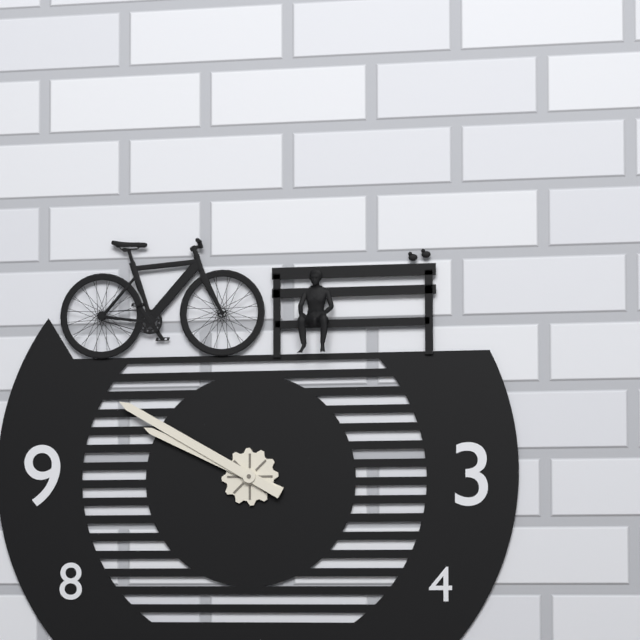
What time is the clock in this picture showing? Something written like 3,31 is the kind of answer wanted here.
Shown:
9,50
